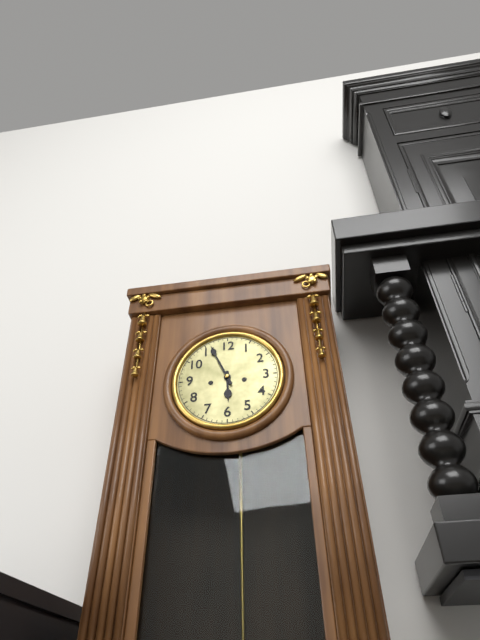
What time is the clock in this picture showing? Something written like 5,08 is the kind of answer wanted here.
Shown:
5,56
